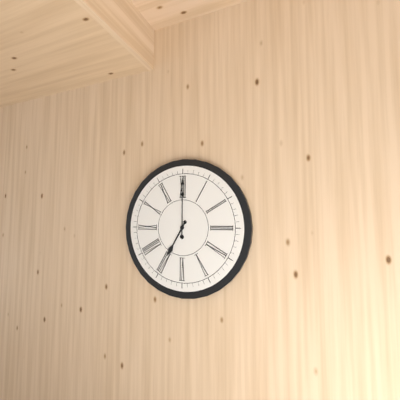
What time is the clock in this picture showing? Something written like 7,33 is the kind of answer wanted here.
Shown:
7,00
